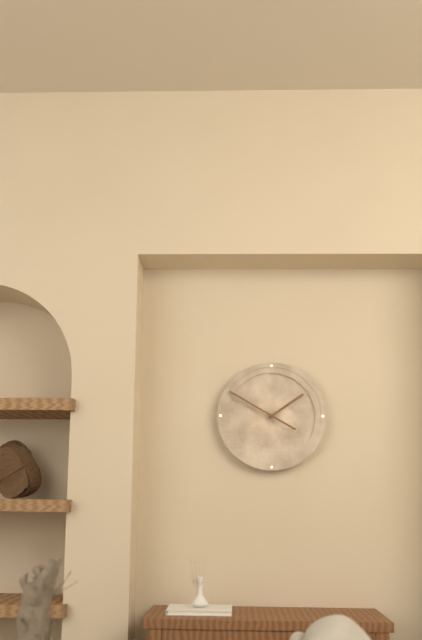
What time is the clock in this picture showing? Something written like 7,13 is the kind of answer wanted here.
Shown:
1,50
